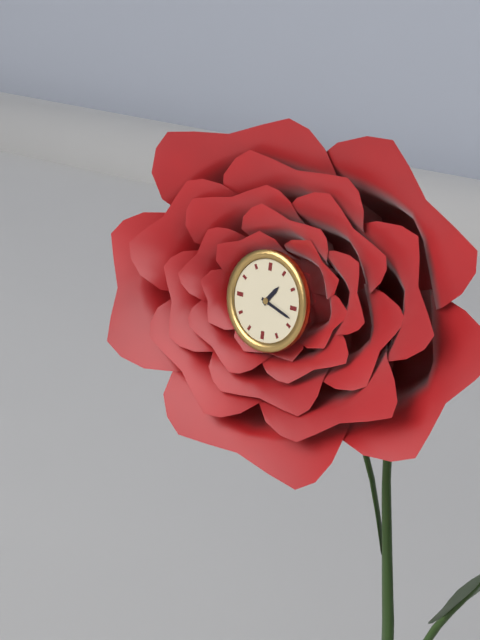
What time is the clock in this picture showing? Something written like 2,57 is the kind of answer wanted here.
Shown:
1,18
